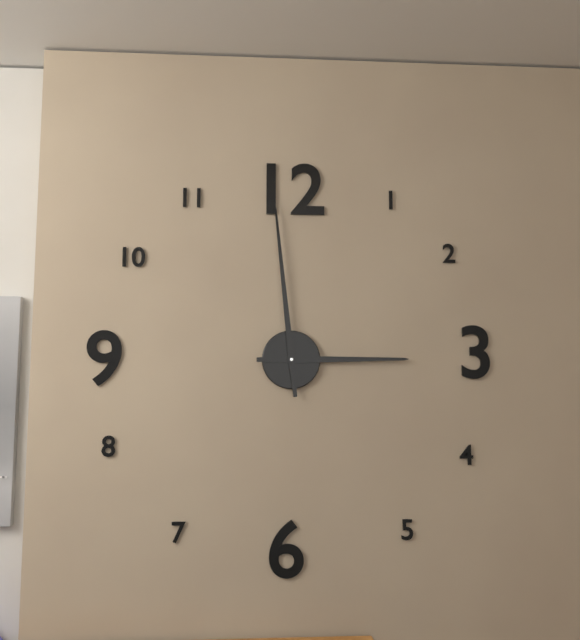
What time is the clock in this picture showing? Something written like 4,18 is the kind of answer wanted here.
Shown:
2,59
